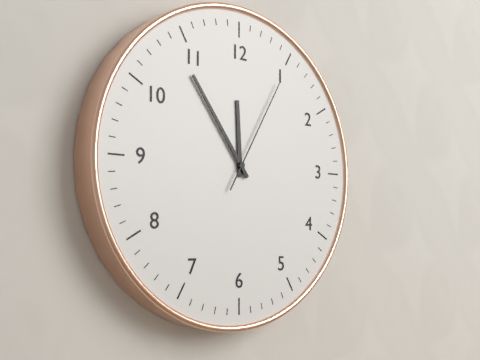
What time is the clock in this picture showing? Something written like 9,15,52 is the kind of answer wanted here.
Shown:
11,54,05
